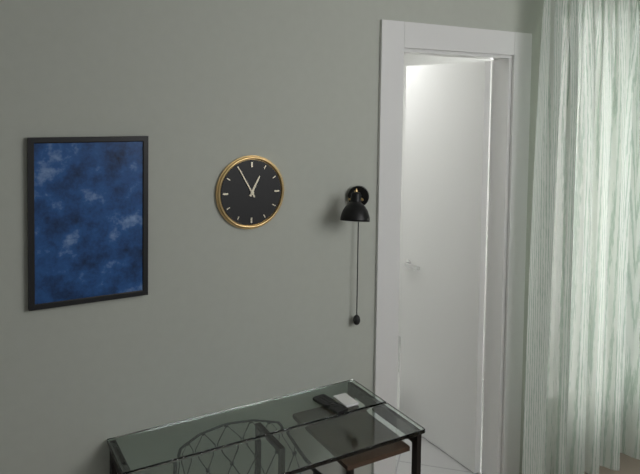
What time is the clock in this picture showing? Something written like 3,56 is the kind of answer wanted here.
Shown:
12,55
